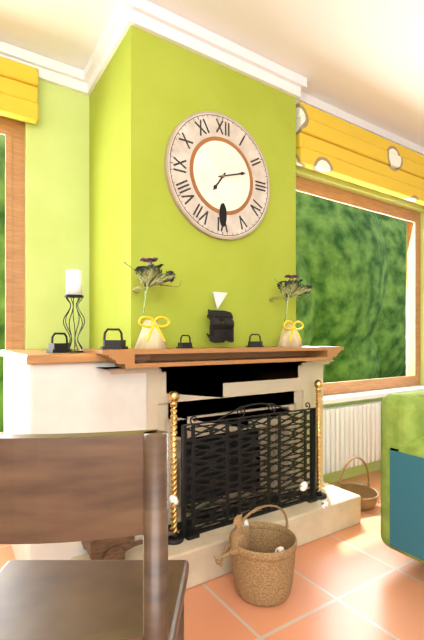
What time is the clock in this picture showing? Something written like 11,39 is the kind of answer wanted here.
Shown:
7,12
